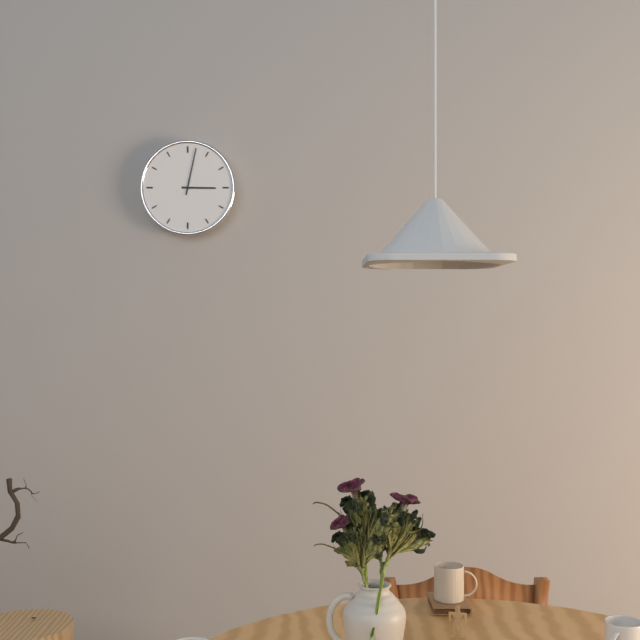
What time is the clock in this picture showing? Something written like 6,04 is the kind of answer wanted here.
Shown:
3,02
